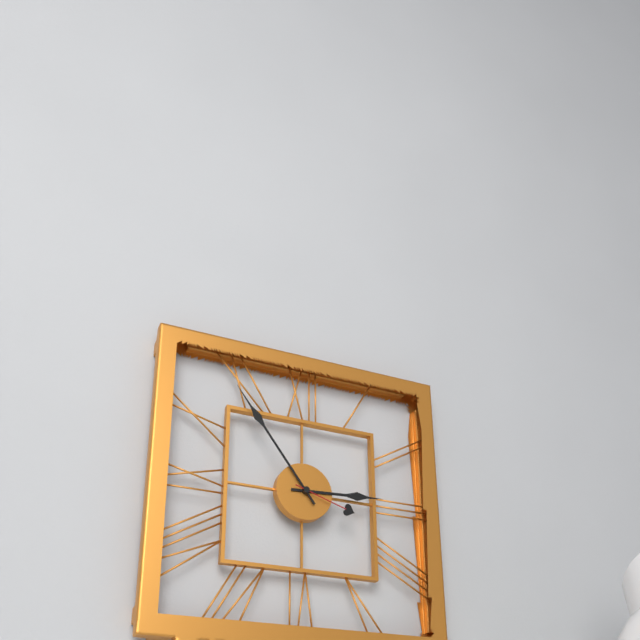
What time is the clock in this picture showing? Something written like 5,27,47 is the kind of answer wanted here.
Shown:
2,54,18
